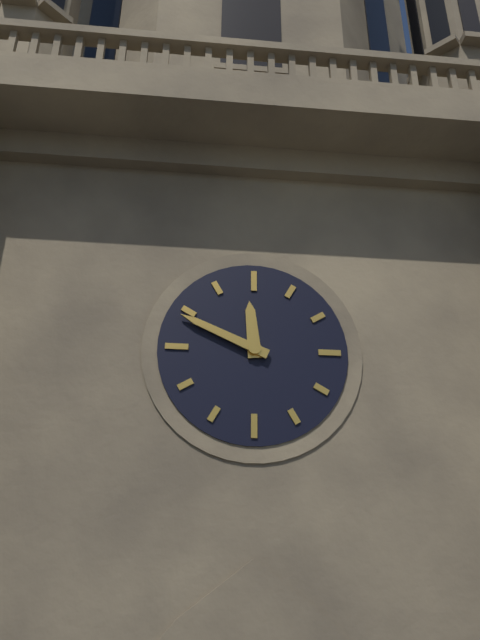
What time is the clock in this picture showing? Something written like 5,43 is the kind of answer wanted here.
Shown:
11,49
